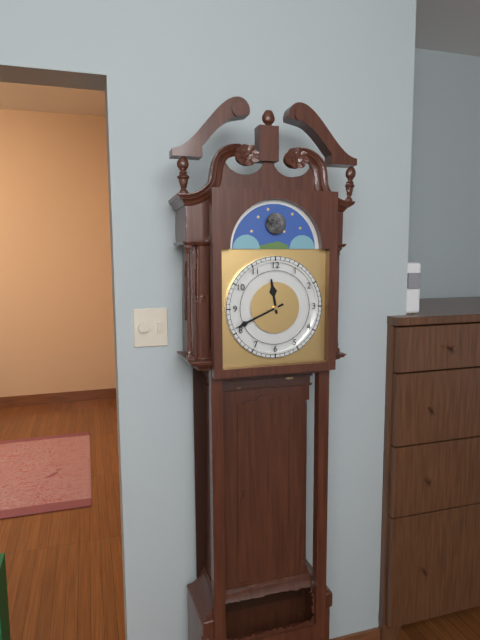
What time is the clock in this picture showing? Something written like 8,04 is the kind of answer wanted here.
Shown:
11,41
